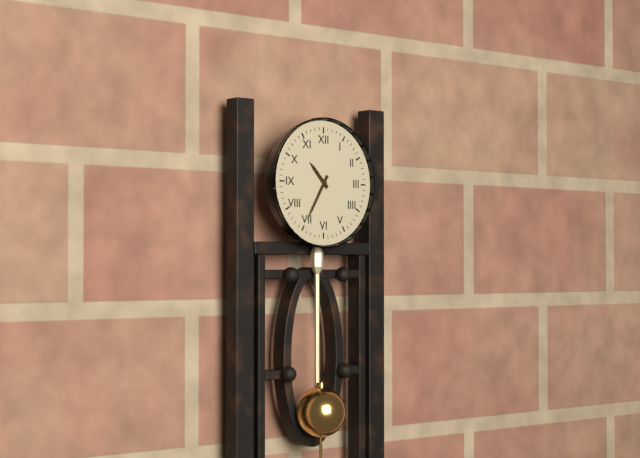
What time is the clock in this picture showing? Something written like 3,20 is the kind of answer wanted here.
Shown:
10,35
